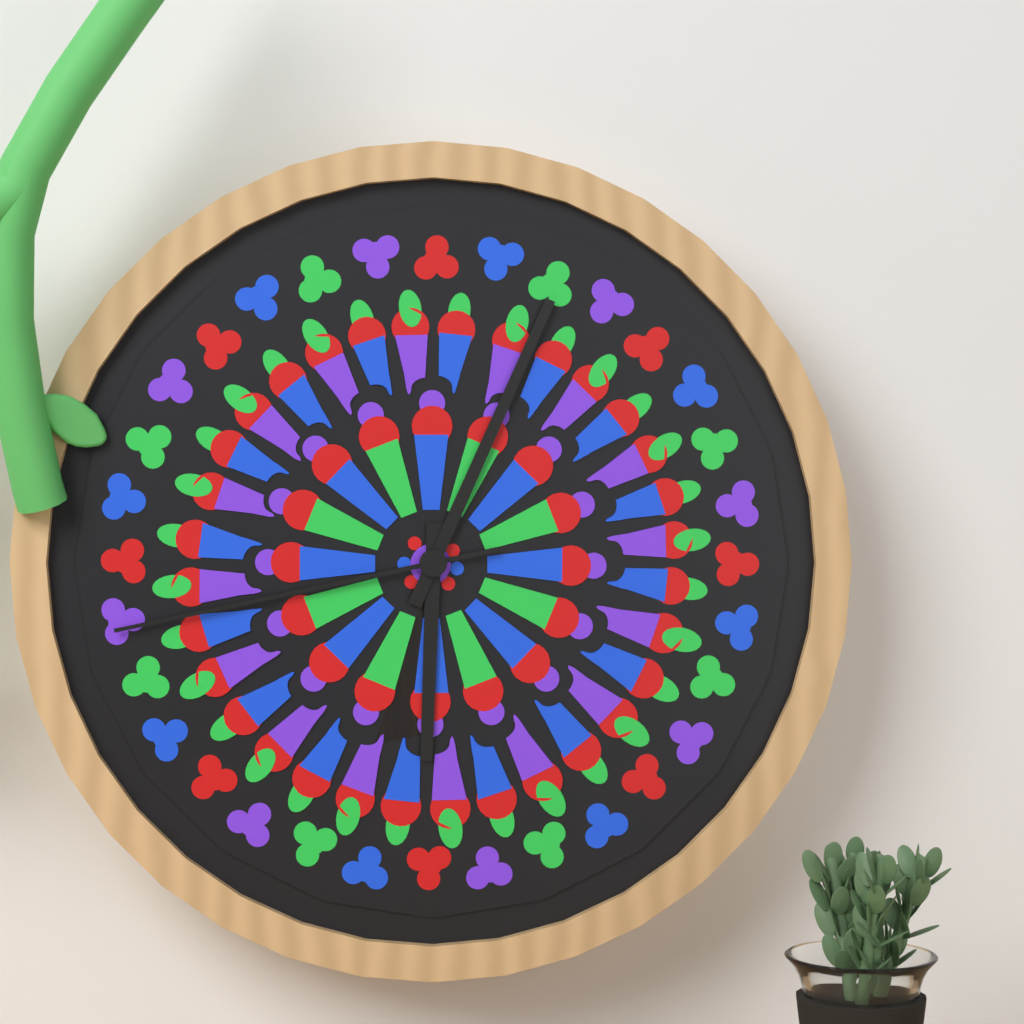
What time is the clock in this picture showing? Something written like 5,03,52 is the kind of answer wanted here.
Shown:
6,04,43
